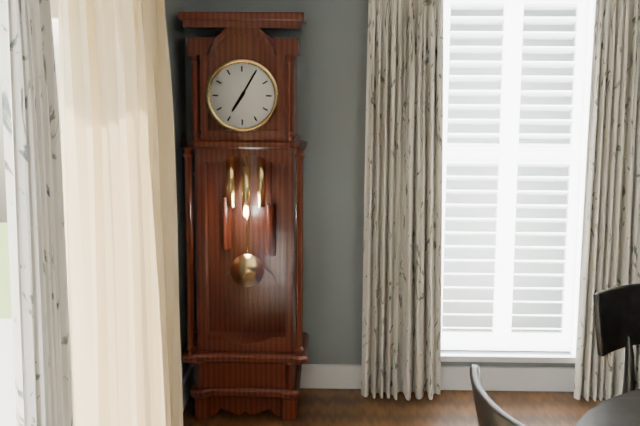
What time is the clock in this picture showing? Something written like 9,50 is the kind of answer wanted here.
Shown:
7,05
